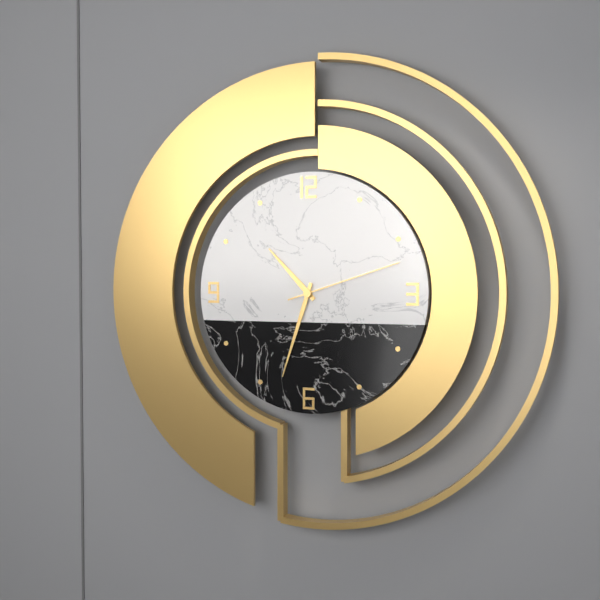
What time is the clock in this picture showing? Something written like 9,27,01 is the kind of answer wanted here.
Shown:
10,33,12
